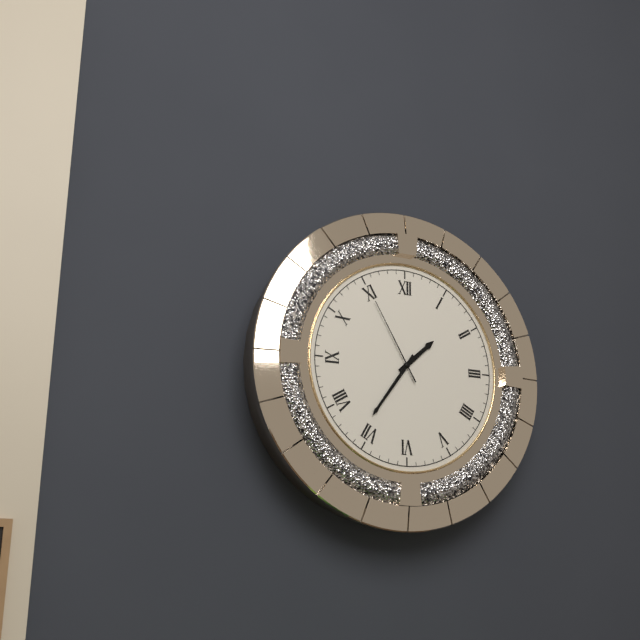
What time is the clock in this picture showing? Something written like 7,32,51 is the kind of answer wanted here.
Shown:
1,36,55
